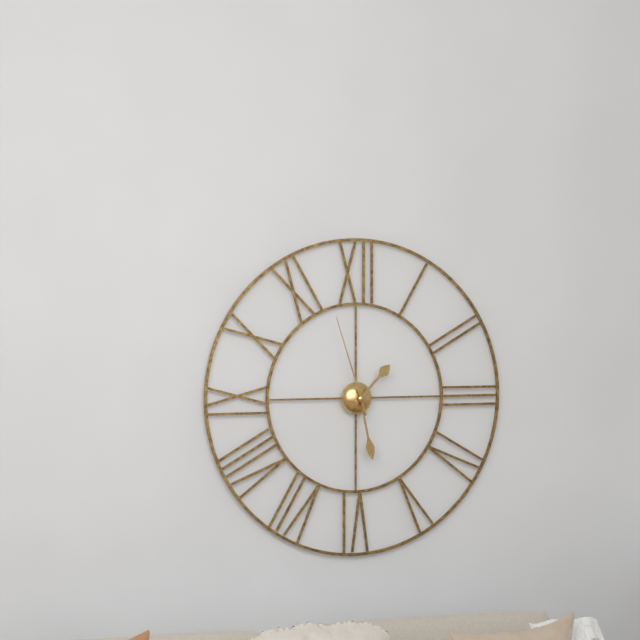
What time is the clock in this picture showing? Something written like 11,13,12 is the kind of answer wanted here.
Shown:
1,28,57
